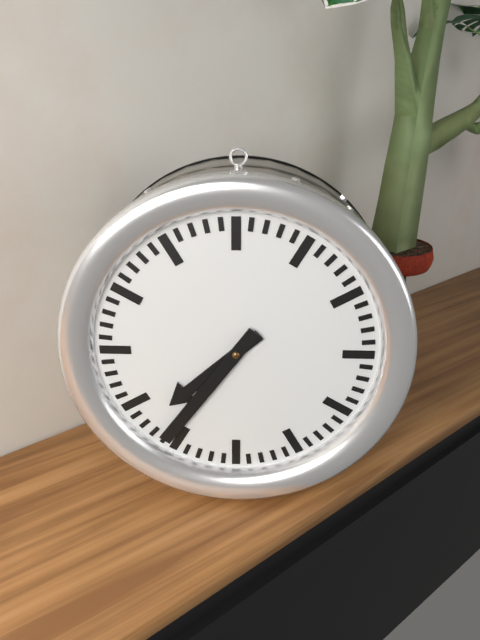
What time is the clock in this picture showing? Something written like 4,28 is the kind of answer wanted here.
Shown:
7,36
